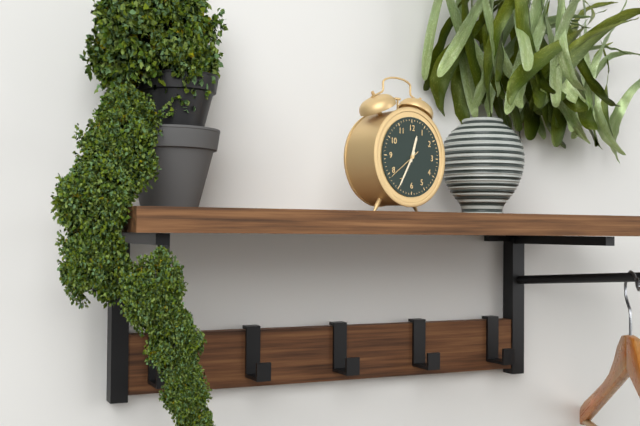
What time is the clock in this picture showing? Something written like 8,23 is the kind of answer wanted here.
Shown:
12,35
